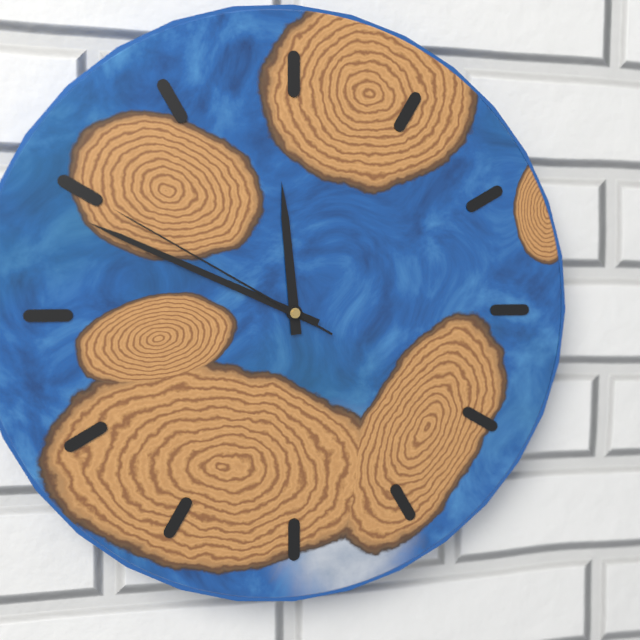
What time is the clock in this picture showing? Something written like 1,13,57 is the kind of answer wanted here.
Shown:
11,49,50
